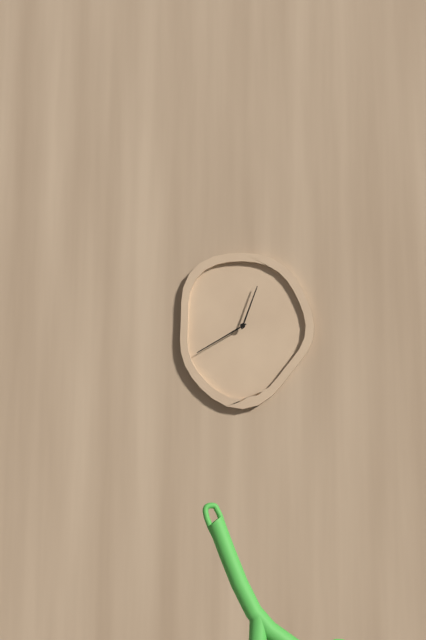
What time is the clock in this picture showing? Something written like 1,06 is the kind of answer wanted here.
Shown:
12,40
